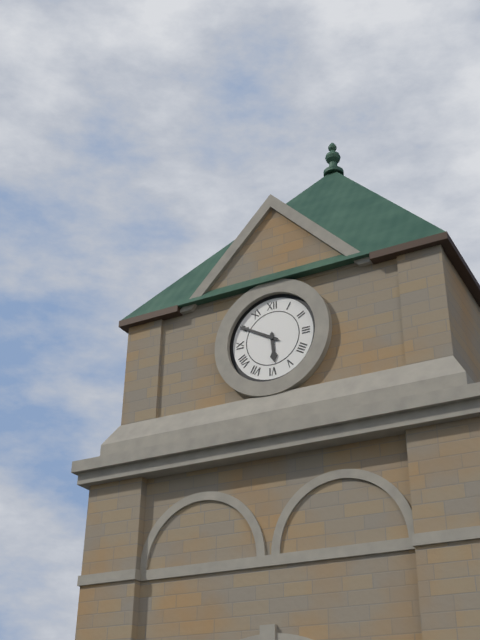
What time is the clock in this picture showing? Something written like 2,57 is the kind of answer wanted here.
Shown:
5,50
